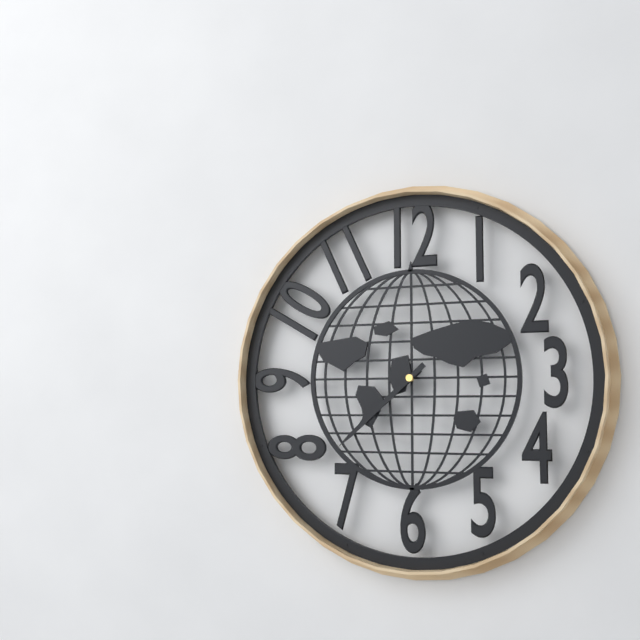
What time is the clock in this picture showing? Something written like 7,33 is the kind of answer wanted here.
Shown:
7,38
